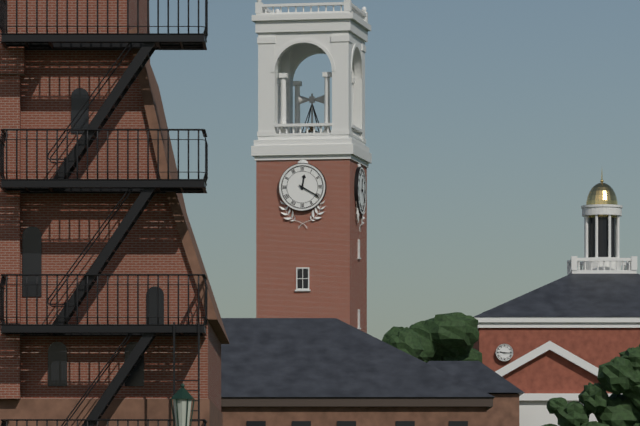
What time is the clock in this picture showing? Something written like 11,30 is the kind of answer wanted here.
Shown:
12,20
